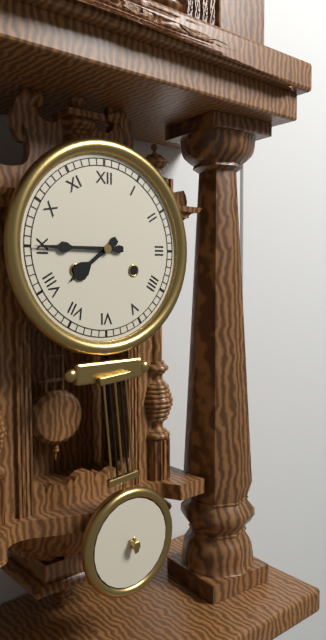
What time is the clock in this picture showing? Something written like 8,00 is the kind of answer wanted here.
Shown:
7,45
